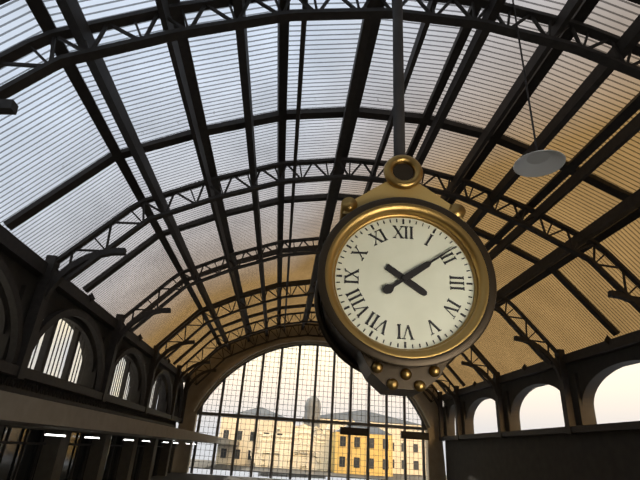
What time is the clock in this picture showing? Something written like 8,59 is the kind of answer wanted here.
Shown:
4,09
